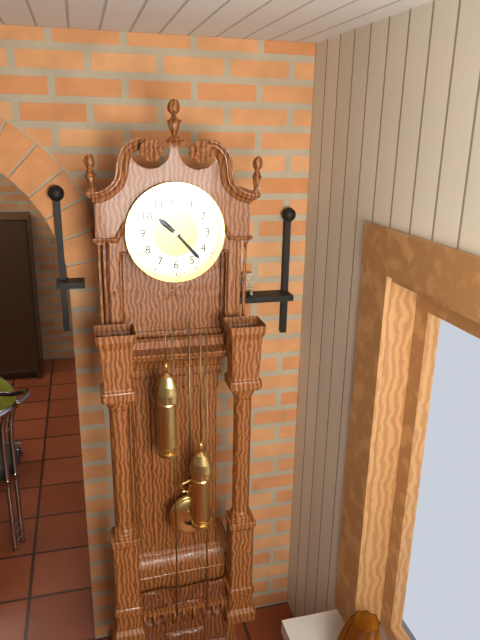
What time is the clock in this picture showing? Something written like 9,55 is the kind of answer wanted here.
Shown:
10,23
